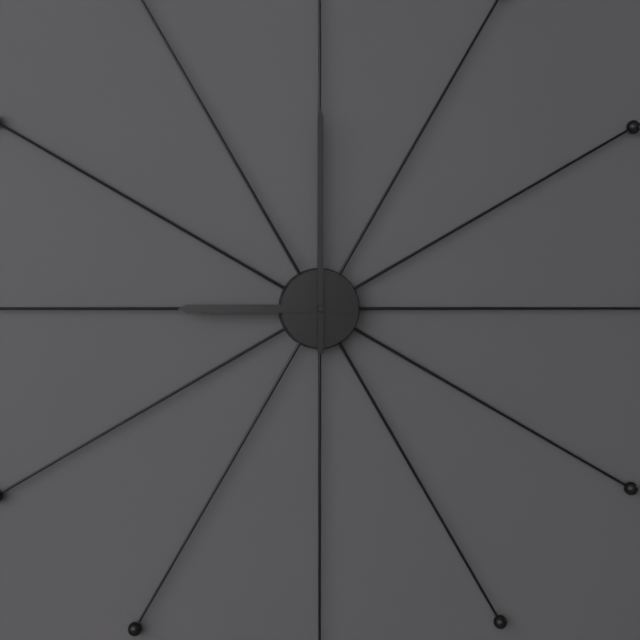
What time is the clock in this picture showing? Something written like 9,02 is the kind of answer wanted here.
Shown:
9,00
